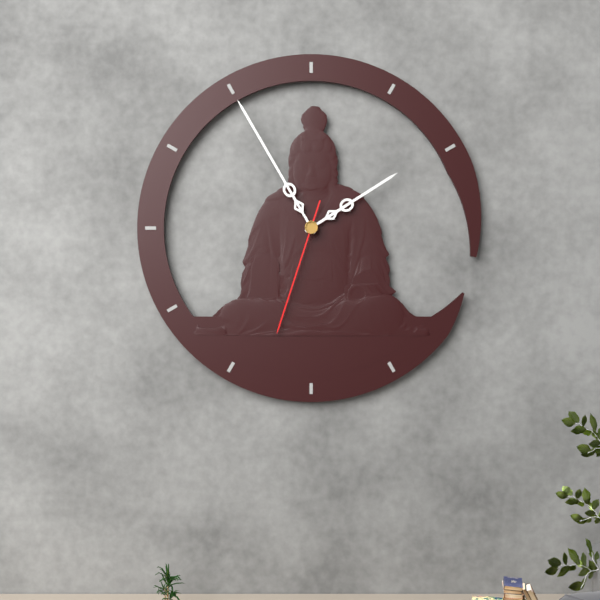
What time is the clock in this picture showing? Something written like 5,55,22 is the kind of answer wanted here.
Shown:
1,55,33
